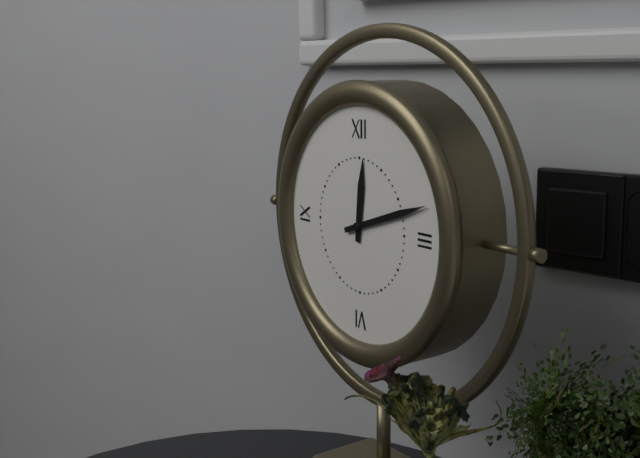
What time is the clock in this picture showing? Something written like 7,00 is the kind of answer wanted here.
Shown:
12,12
